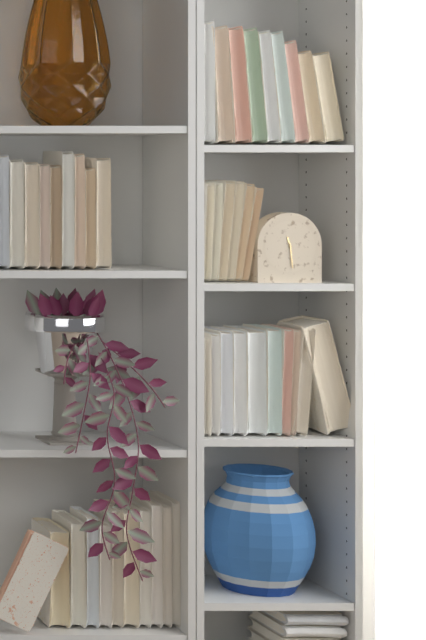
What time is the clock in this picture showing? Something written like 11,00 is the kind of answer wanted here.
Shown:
11,29
